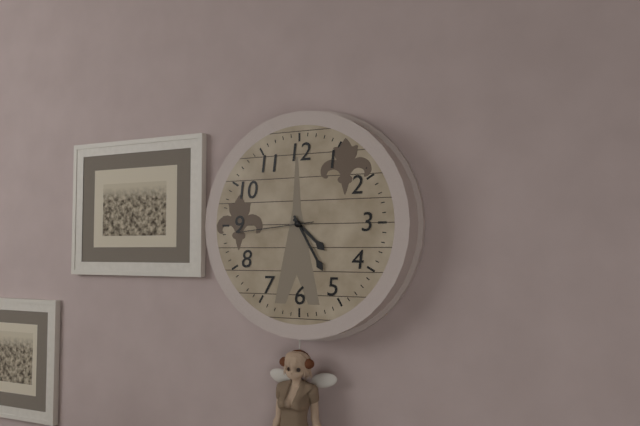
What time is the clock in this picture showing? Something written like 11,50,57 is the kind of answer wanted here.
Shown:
4,25,44
